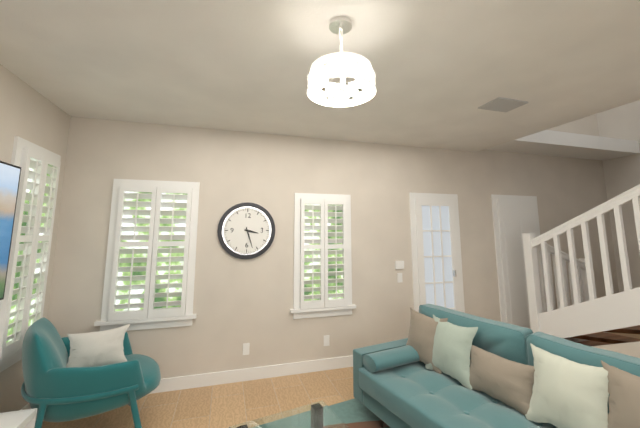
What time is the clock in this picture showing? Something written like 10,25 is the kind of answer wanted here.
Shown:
3,27
